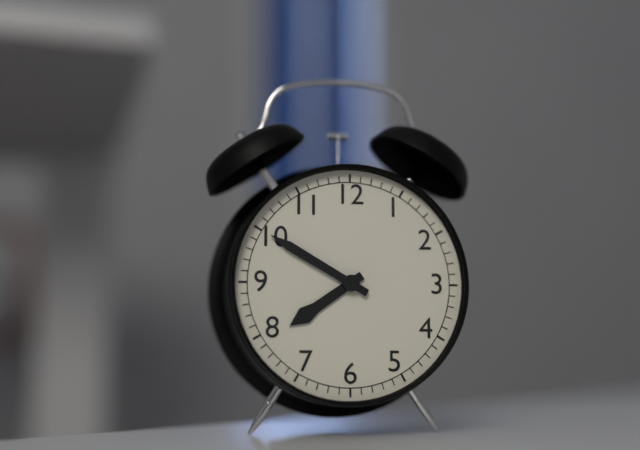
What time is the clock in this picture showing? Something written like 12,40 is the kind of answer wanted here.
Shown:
7,50
